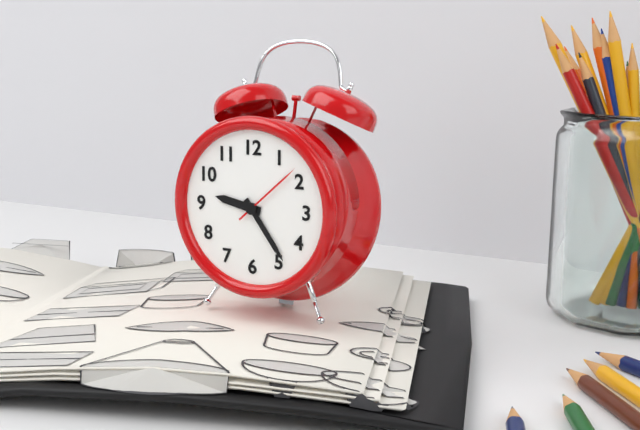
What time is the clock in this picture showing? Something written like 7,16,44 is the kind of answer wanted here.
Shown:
9,24,08
